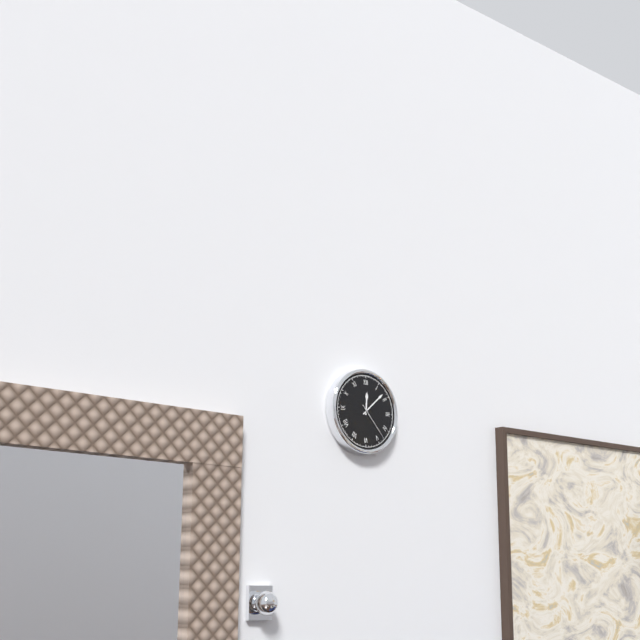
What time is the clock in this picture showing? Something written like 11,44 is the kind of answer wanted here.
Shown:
12,08
